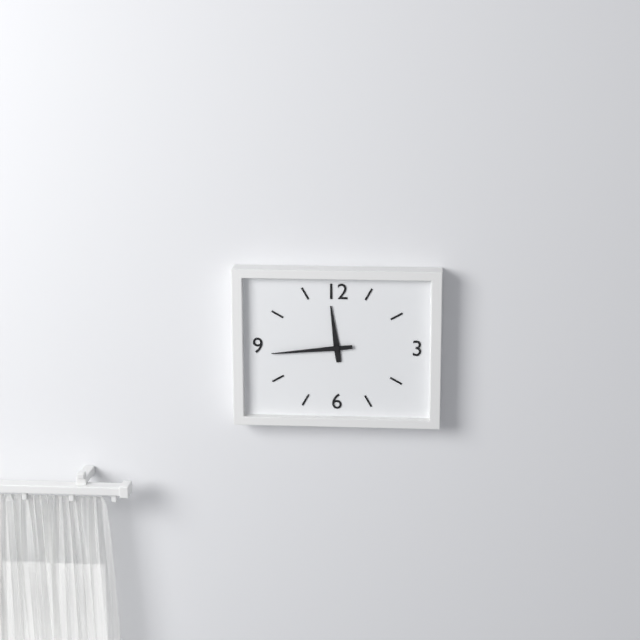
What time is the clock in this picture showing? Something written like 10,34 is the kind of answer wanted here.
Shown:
11,44
